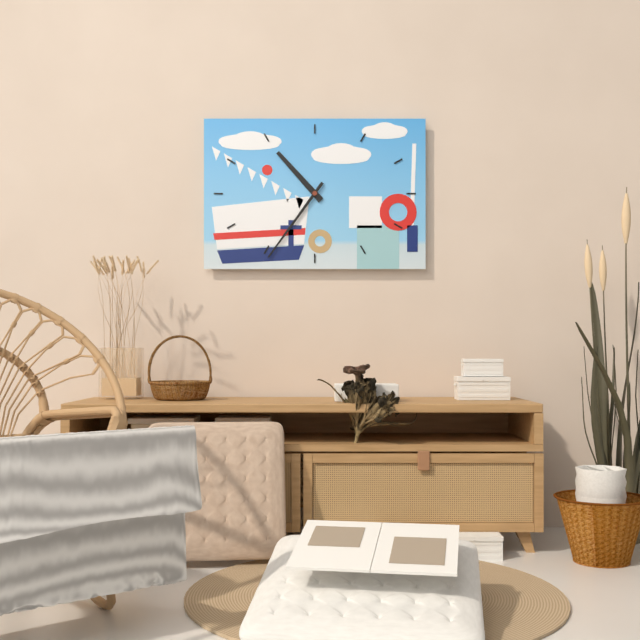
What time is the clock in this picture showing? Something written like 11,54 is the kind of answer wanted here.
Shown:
10,36
